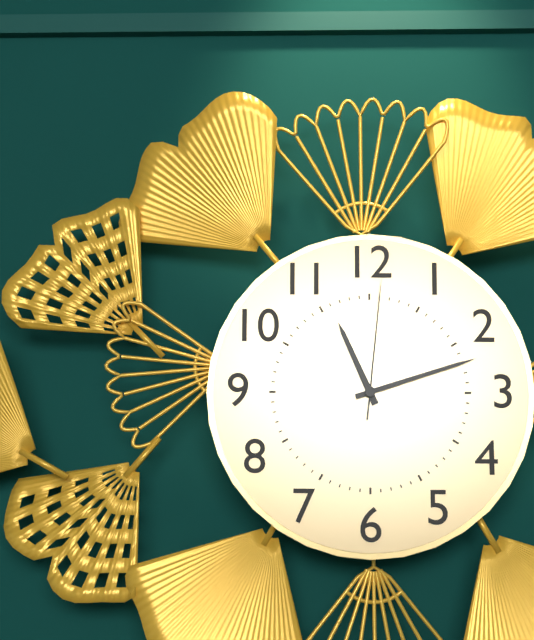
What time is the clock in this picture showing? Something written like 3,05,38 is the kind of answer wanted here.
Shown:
11,12,01
